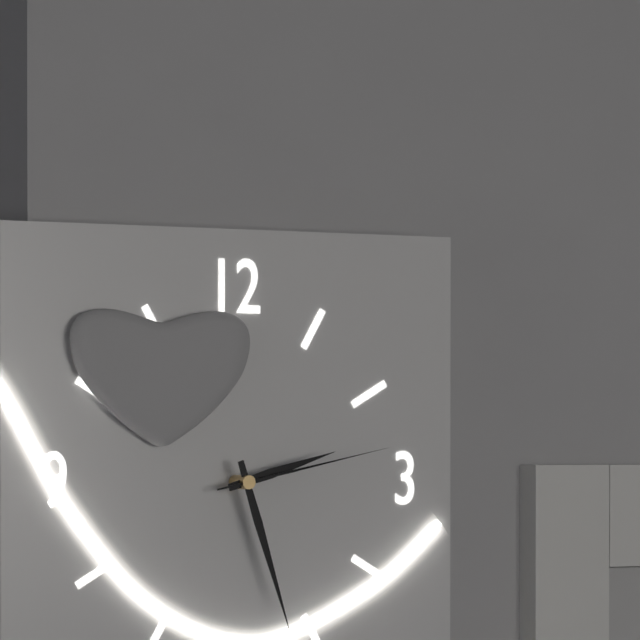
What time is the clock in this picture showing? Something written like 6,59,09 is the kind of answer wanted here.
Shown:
2,27,13
